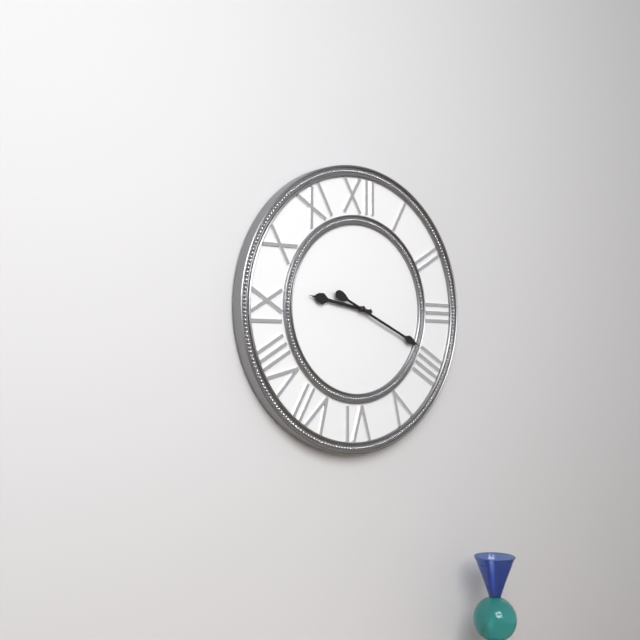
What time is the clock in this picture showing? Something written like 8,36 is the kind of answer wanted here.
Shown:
9,19
